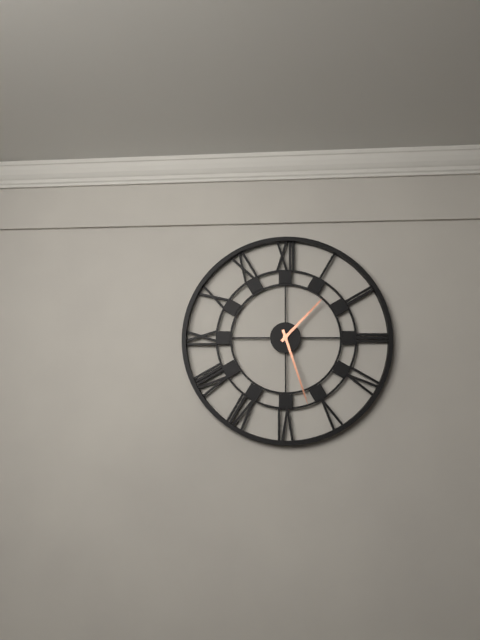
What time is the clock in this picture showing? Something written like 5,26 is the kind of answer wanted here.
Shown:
1,27
